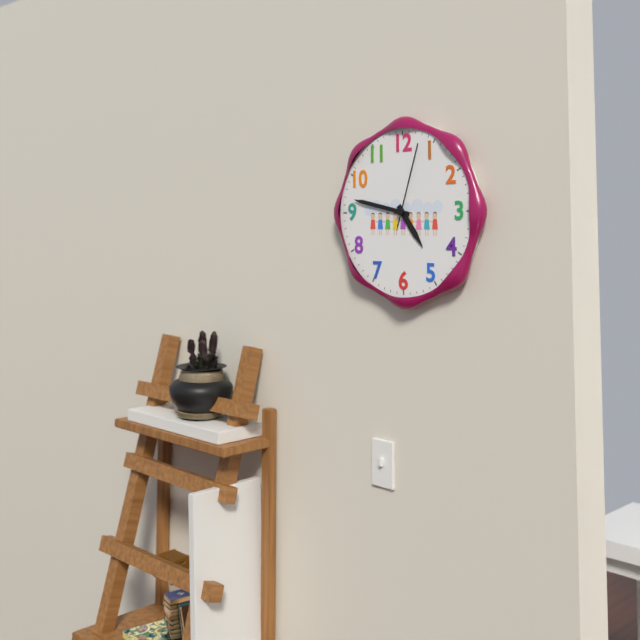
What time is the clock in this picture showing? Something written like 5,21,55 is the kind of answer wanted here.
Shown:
4,47,03
